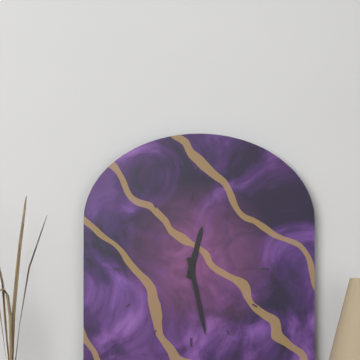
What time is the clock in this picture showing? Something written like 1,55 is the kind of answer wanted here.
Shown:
12,28
